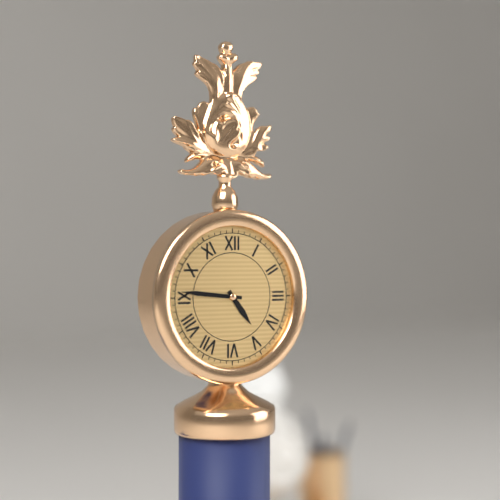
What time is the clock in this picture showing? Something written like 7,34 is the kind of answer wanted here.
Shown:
4,46
